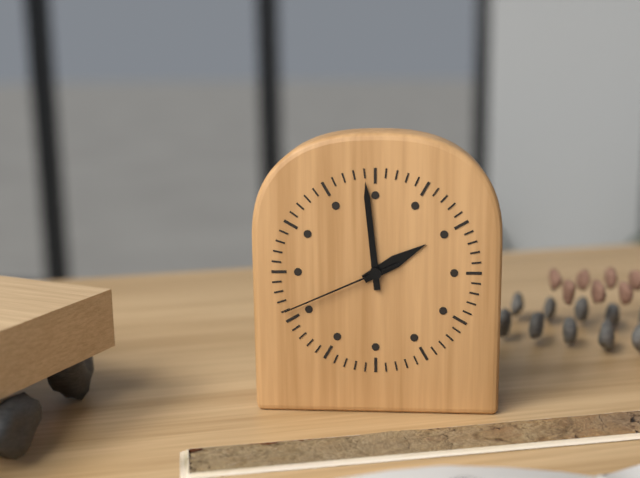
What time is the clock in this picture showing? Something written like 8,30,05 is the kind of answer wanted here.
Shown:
1,59,41
